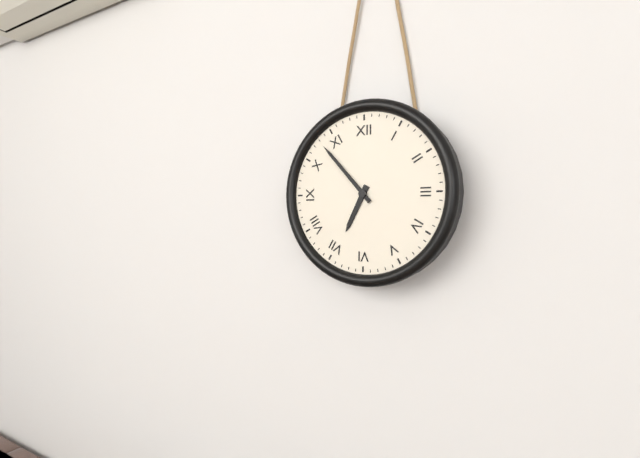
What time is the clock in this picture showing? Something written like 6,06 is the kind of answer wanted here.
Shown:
6,53
